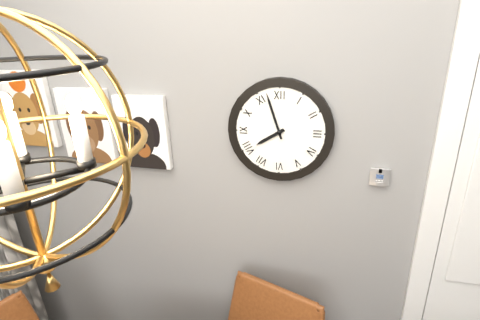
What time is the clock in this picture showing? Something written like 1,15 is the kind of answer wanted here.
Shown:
7,57
